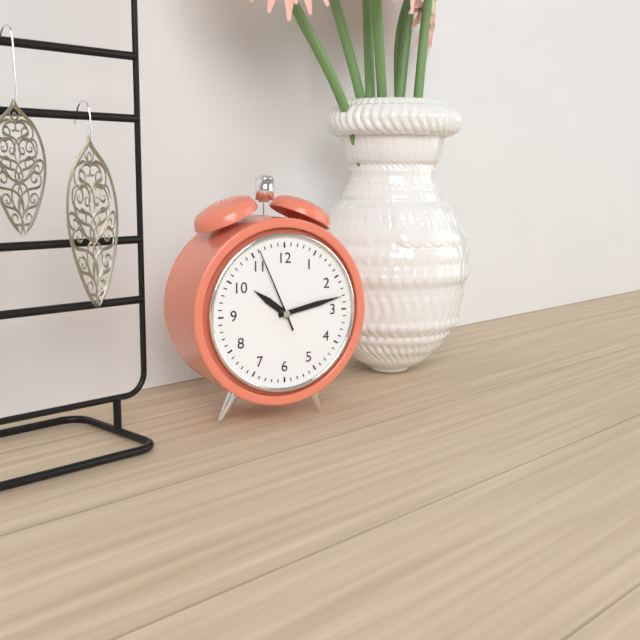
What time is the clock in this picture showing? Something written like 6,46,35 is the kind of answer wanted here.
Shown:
10,13,56
